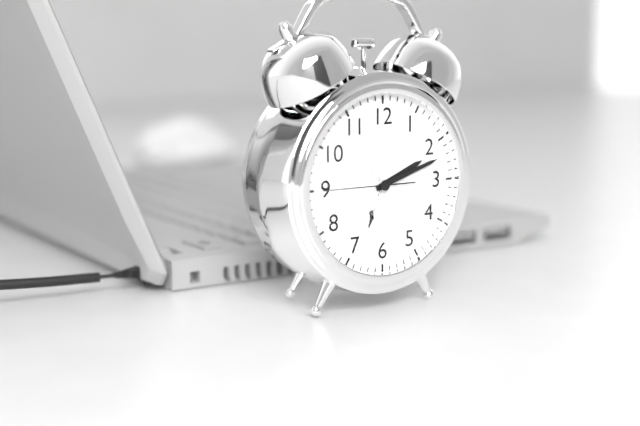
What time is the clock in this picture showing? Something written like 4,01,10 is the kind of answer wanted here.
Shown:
2,12,45
